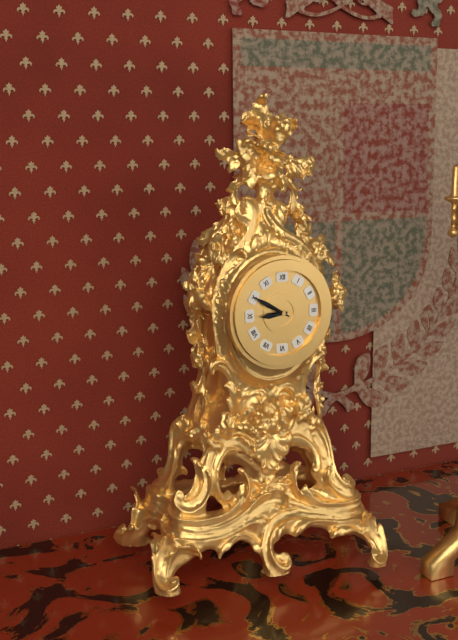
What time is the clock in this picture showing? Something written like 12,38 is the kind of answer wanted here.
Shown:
8,50
